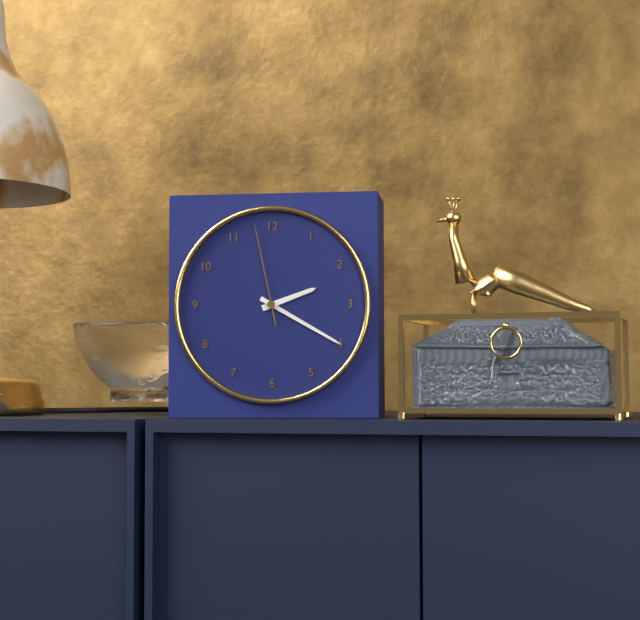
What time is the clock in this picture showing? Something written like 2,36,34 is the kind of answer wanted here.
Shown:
2,20,58
